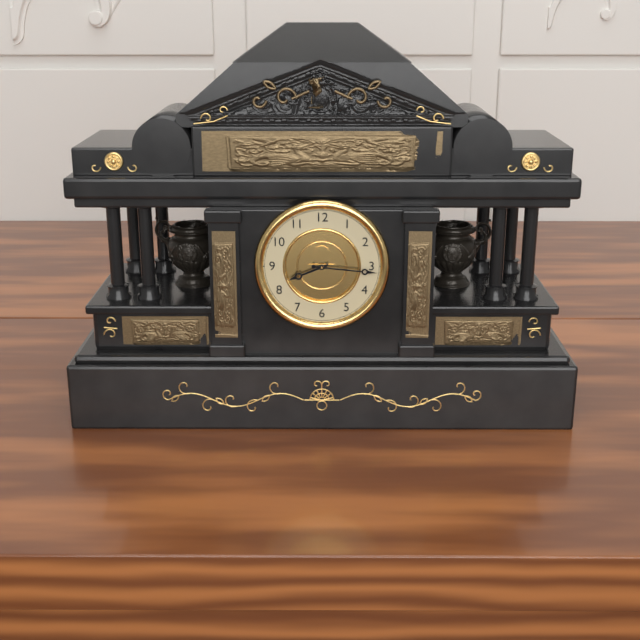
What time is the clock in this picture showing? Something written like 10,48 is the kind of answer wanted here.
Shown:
8,16
